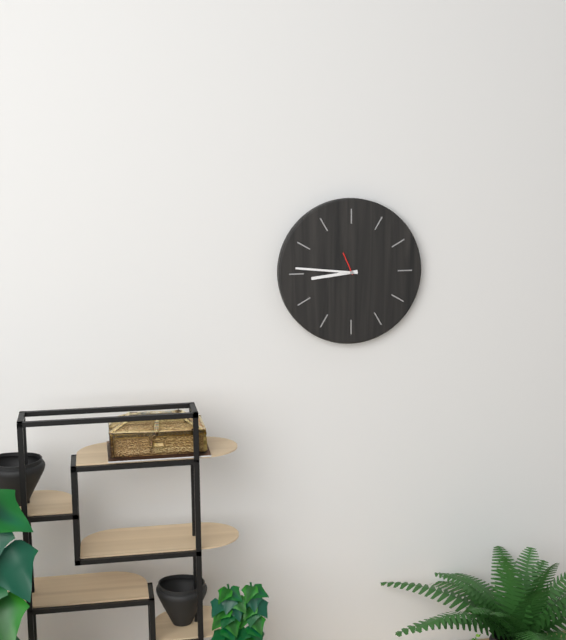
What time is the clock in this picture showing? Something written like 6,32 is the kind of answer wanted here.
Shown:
8,46
